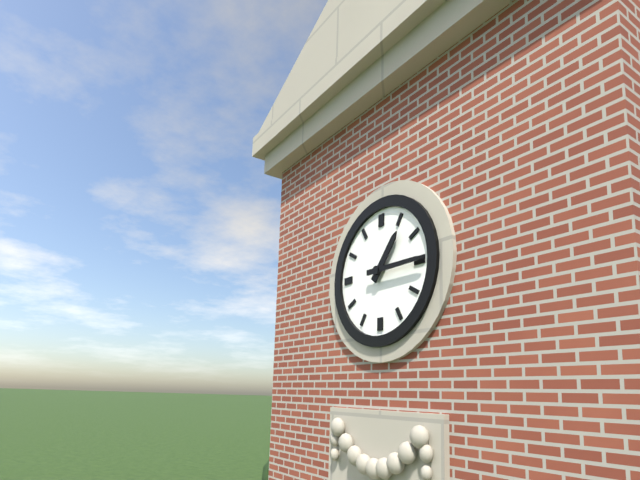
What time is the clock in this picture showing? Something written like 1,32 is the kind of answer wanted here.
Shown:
1,15
